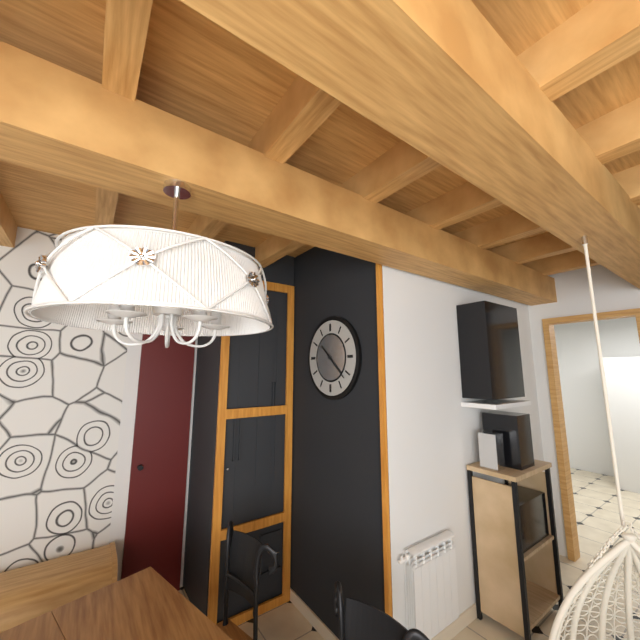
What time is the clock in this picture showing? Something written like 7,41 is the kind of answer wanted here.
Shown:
10,22
